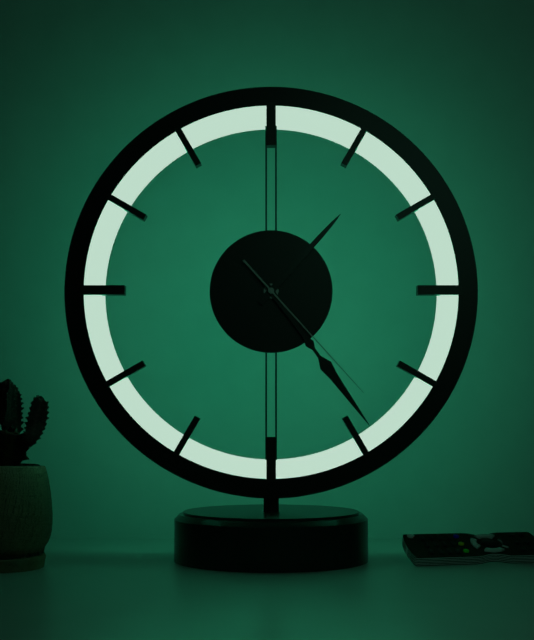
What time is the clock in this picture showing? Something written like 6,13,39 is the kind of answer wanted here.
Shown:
1,24,23
